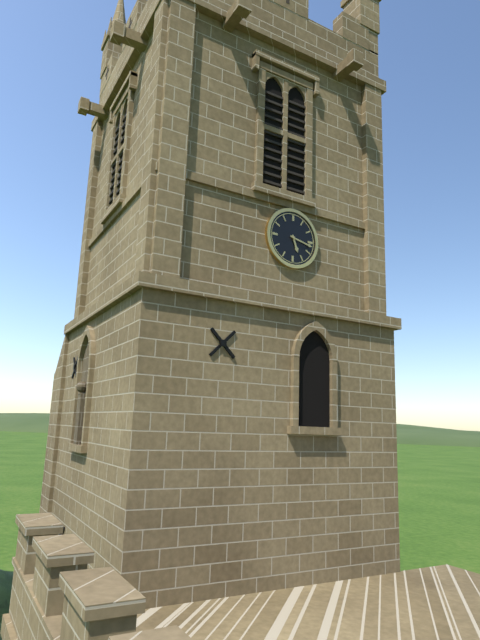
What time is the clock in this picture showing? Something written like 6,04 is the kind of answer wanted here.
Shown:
5,17
